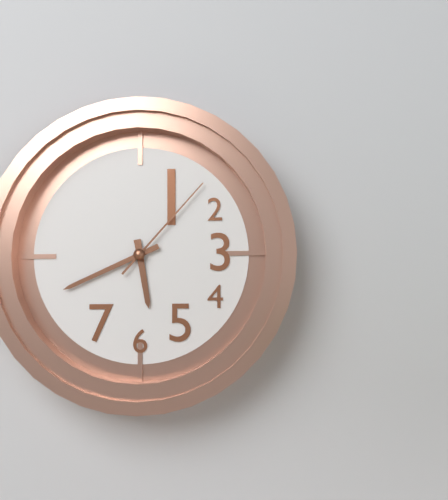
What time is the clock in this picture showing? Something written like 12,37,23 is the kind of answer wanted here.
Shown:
5,41,07
